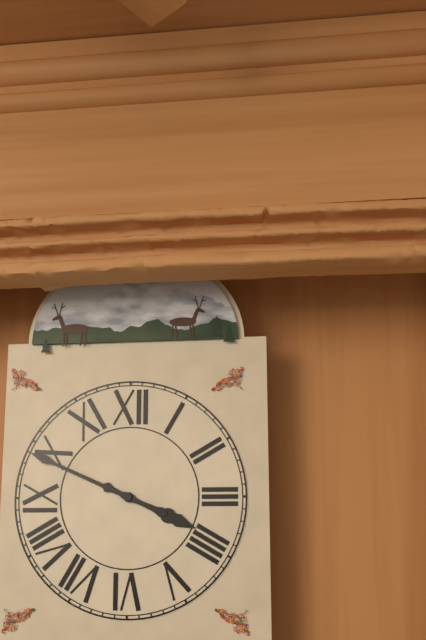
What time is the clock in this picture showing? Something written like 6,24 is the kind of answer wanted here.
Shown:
3,49
